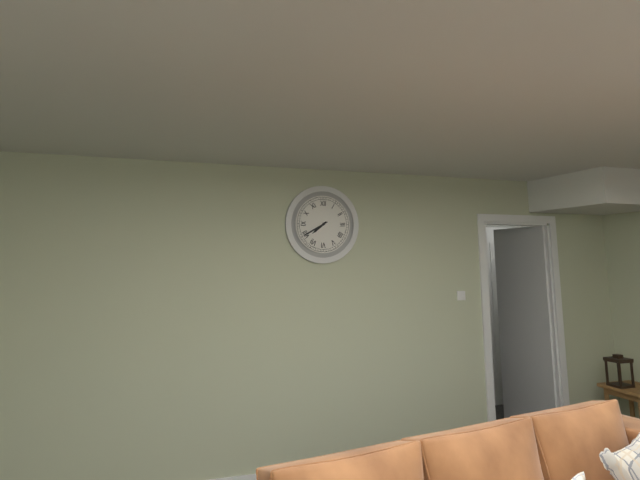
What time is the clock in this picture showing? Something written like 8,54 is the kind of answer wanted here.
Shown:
7,40
